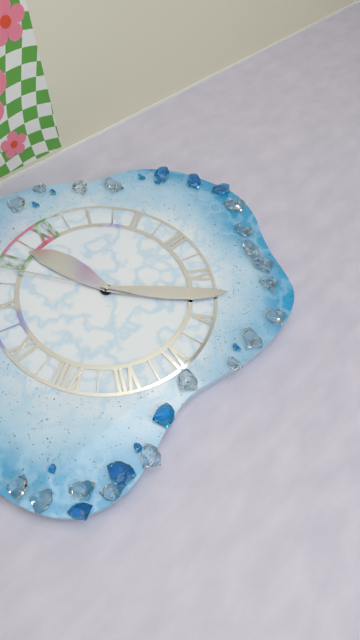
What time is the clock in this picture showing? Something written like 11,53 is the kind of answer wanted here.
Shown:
11,22
